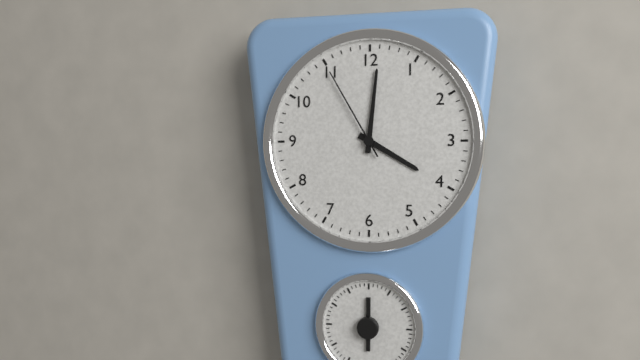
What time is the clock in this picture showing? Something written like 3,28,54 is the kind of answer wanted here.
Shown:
4,01,55
